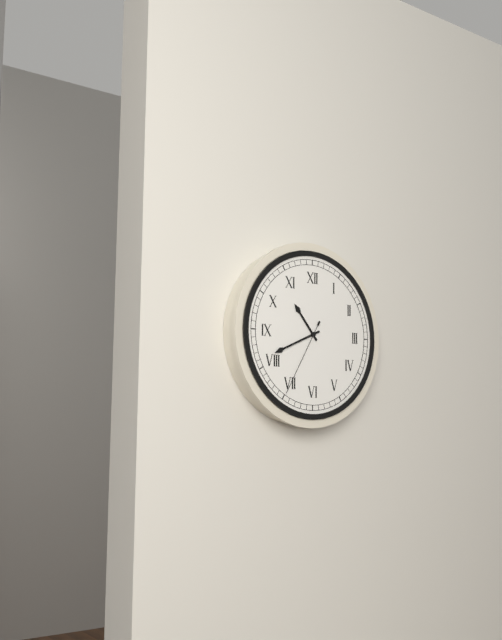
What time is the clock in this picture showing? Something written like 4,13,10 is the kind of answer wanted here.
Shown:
10,41,35
